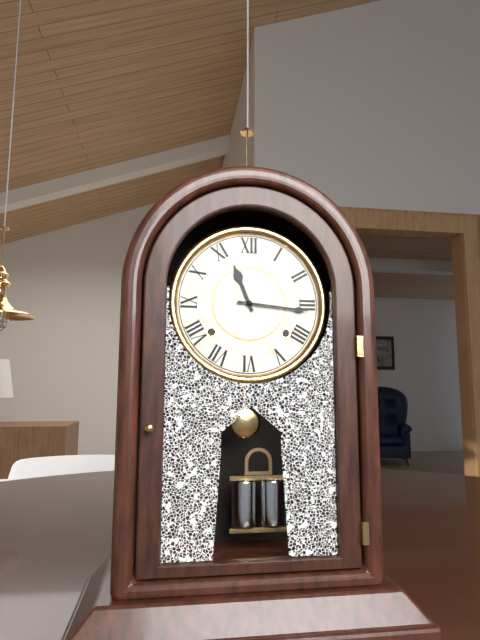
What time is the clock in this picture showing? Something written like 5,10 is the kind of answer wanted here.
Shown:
11,16
